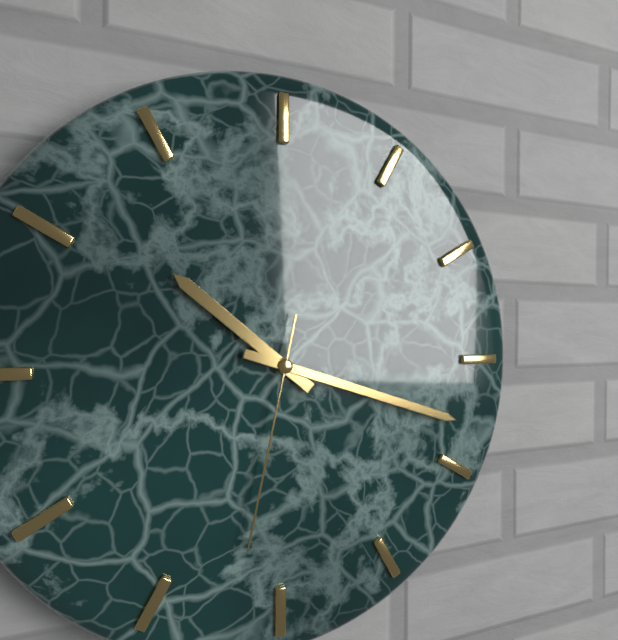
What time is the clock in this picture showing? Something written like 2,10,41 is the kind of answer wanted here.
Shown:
10,18,32
